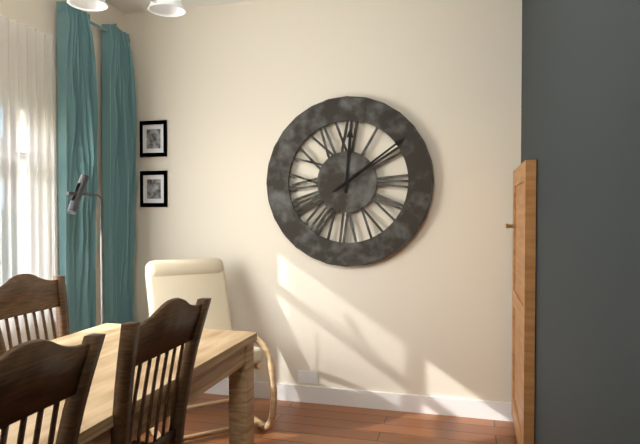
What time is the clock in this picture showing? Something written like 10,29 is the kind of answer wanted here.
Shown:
12,09
